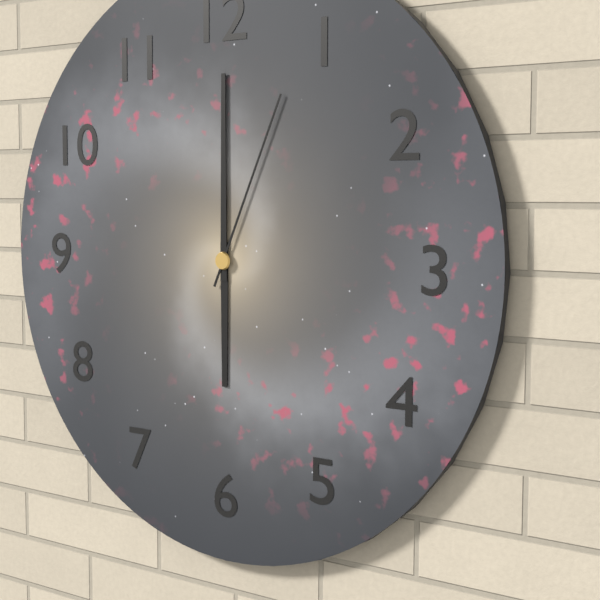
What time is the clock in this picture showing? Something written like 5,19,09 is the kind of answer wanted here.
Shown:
6,00,04
